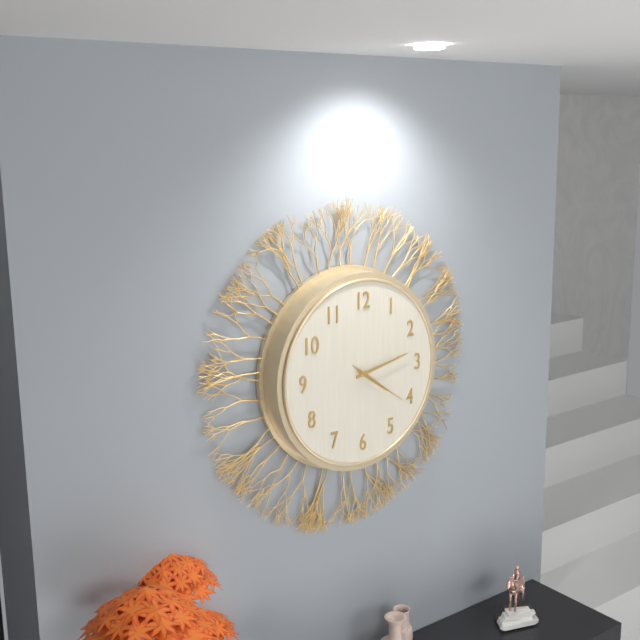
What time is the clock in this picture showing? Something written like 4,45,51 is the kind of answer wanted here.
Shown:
4,13,21
